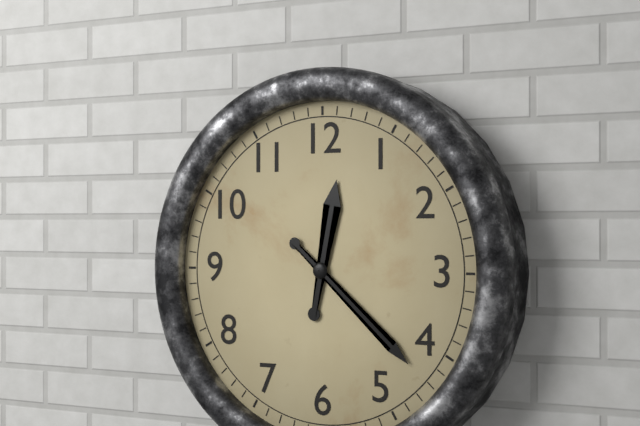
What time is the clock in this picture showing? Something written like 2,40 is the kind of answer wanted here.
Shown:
12,22
